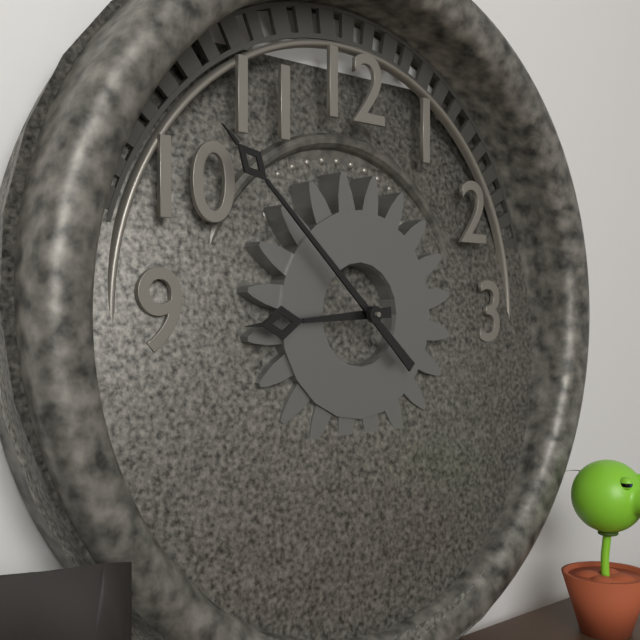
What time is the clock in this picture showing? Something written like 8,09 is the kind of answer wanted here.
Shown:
8,52
